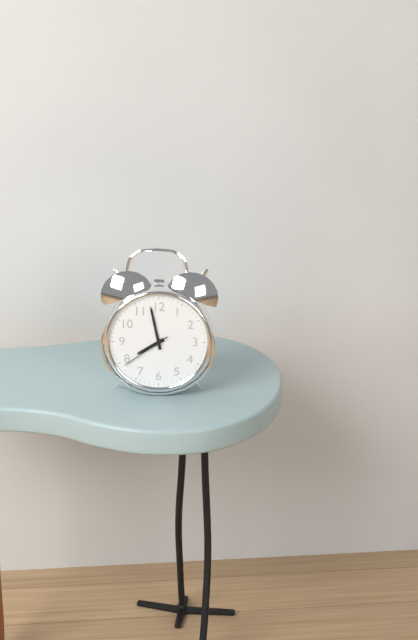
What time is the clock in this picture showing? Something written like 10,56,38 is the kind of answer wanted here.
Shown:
7,58,39
